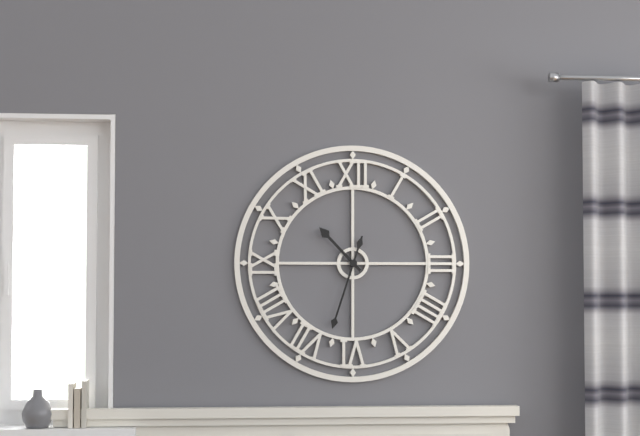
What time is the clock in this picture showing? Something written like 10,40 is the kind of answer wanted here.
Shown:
10,33
